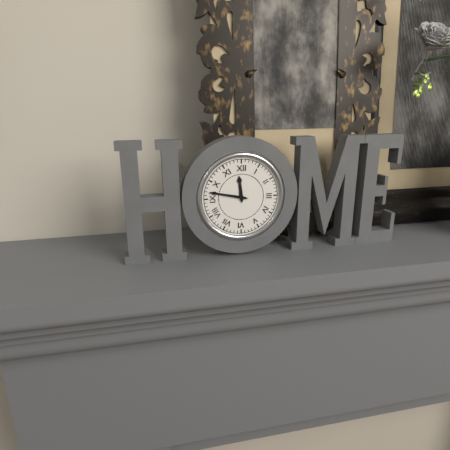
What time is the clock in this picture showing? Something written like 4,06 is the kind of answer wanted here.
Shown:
11,47
